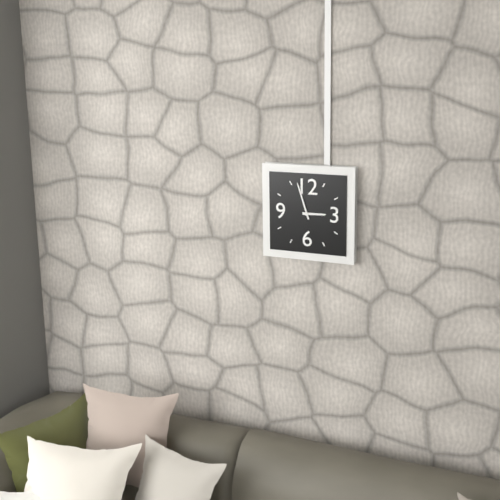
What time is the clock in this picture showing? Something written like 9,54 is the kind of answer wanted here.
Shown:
2,57
